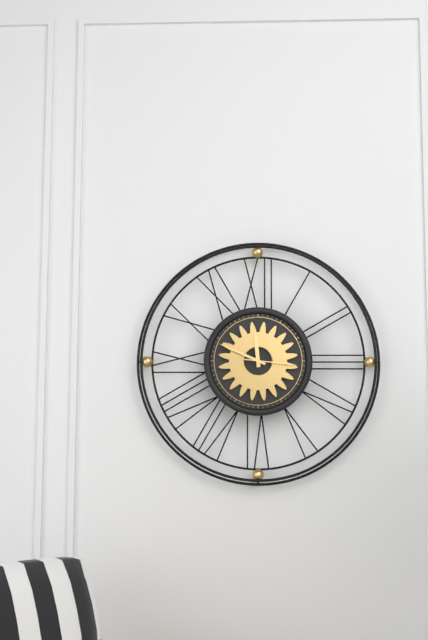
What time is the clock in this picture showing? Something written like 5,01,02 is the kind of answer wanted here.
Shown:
11,49,16
